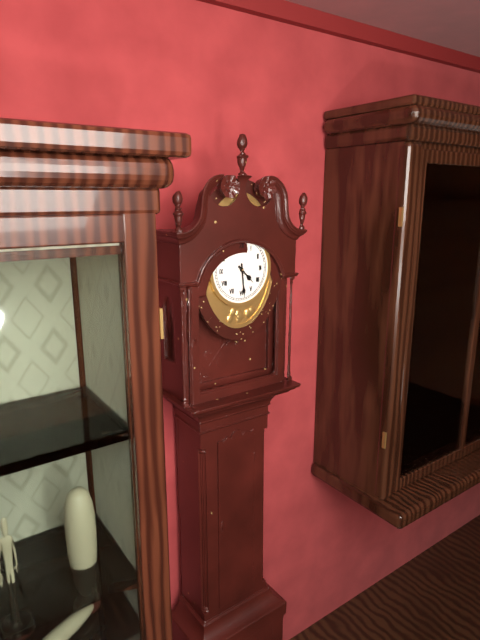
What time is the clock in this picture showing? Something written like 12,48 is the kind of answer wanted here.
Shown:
4,29
